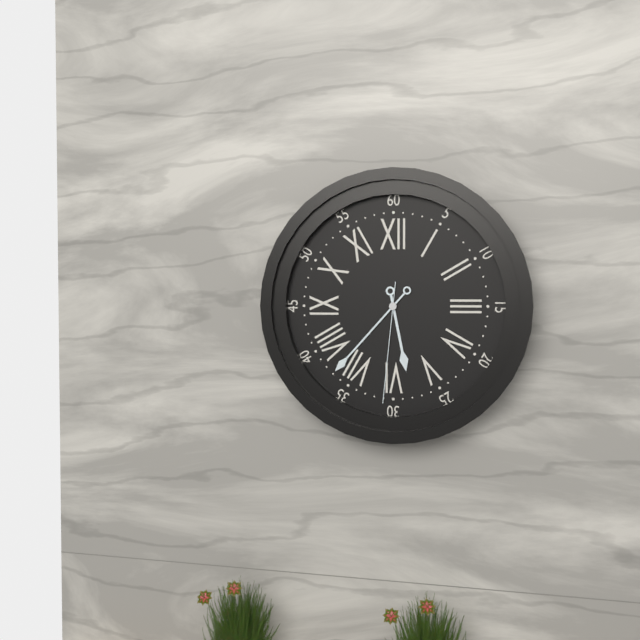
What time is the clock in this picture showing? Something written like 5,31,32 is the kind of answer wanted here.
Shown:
5,37,31
